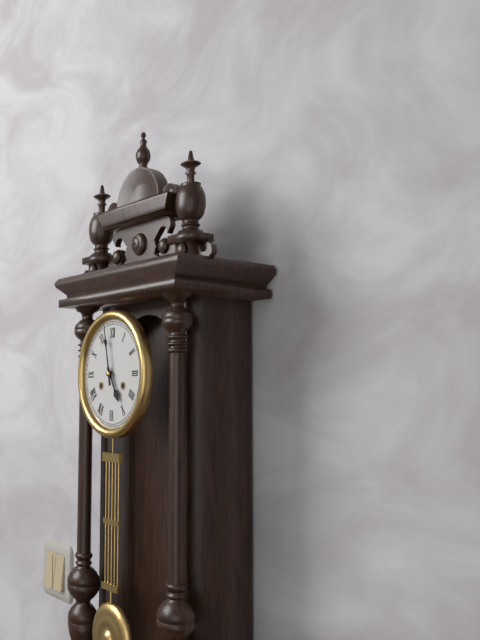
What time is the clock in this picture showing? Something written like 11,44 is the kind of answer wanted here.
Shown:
4,58
